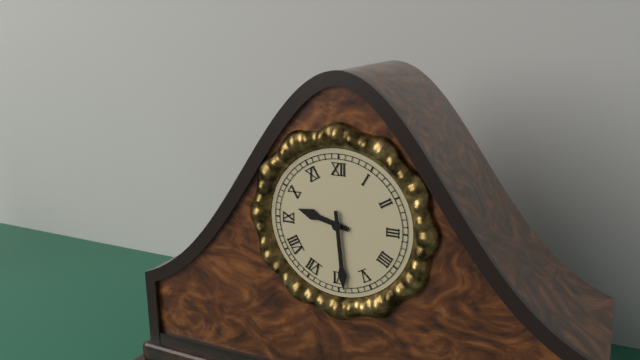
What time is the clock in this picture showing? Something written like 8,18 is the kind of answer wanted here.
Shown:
9,29
